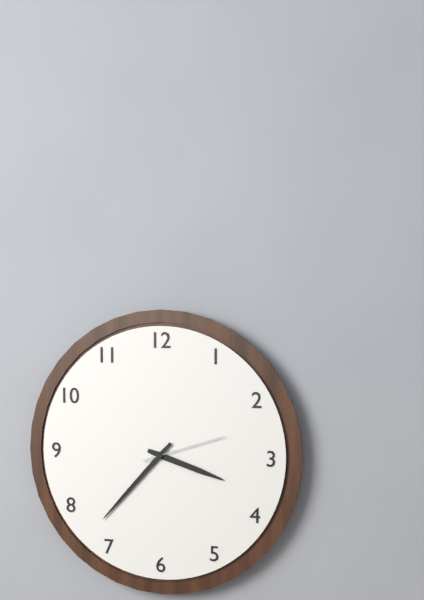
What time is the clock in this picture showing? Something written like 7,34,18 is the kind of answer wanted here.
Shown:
3,37,12
